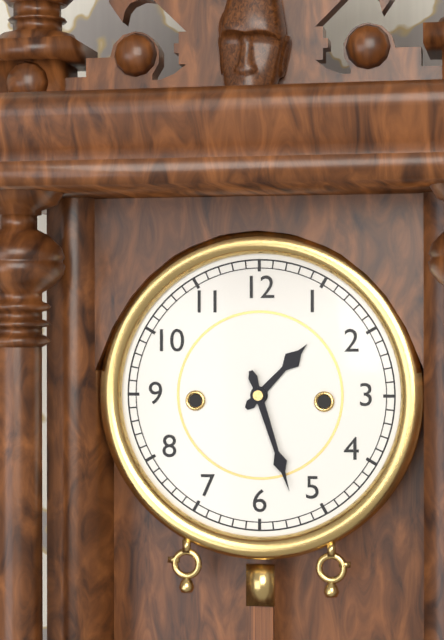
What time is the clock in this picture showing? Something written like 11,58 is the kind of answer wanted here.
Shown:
1,27
